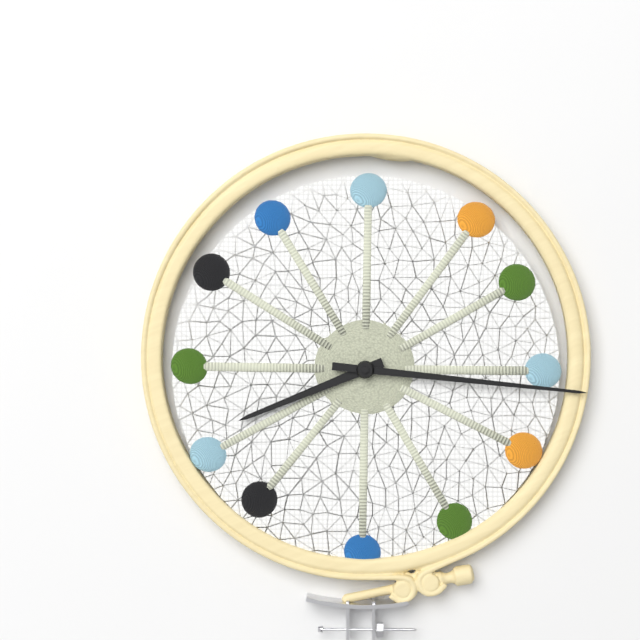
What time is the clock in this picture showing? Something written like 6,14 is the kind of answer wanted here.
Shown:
8,16
